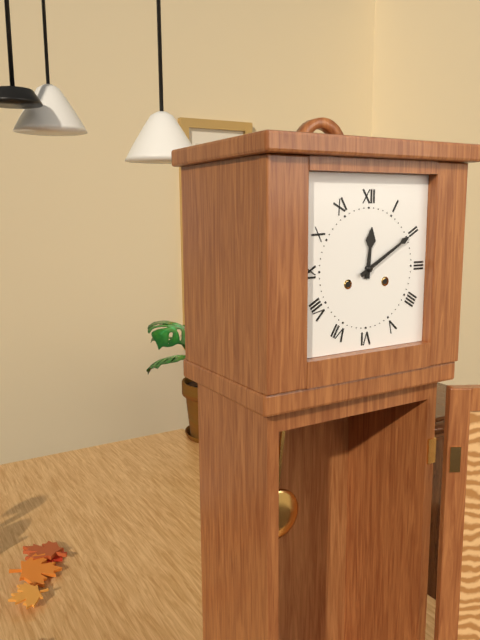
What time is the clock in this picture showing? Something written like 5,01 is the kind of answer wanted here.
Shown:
12,10
